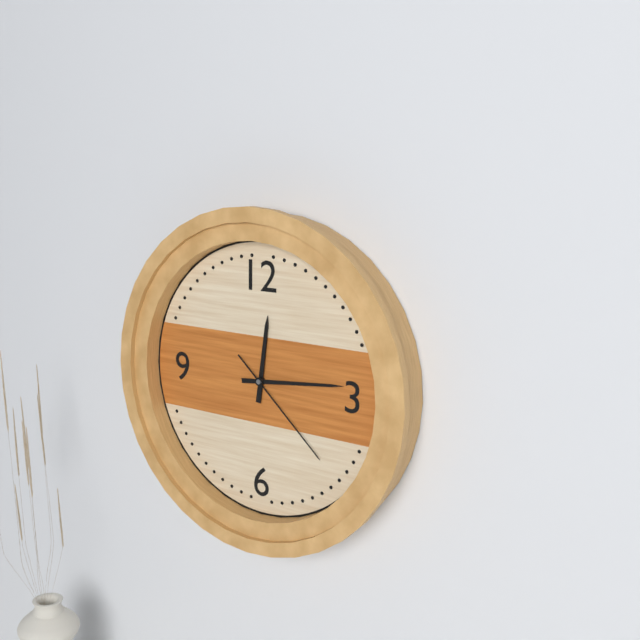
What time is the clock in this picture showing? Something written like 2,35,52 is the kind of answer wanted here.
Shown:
12,14,22
